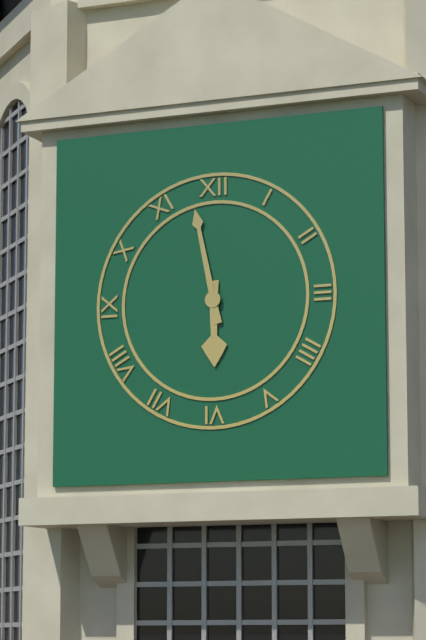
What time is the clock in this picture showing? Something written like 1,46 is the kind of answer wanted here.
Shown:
5,58
